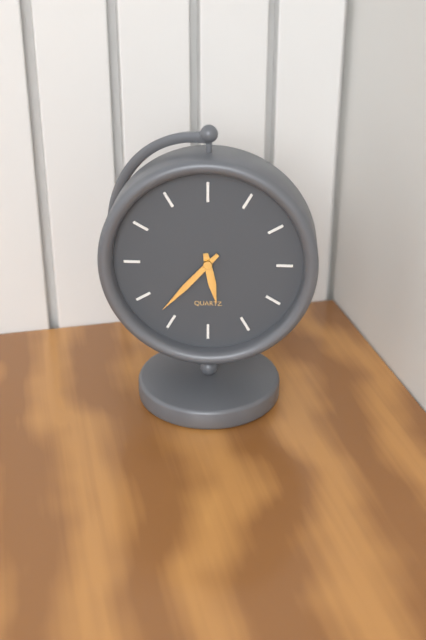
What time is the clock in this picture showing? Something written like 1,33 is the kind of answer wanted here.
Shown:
5,37
